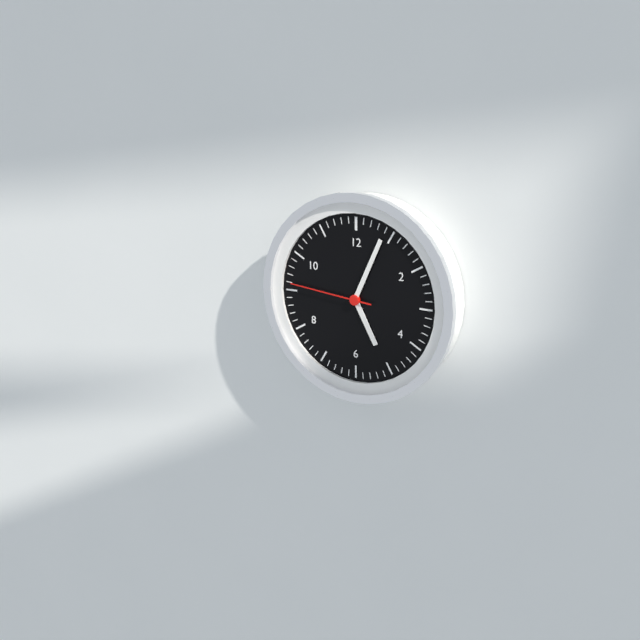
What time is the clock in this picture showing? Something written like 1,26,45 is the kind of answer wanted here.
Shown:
5,04,46
